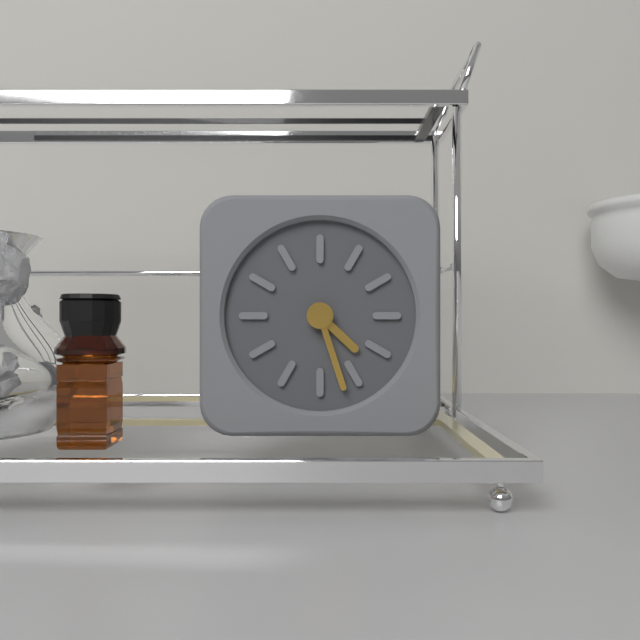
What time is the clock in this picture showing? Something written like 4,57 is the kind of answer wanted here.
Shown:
4,27
